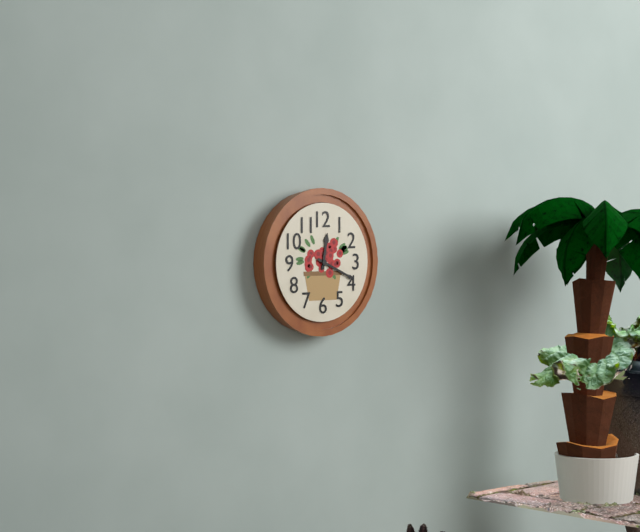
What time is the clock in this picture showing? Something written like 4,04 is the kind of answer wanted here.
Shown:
12,19
